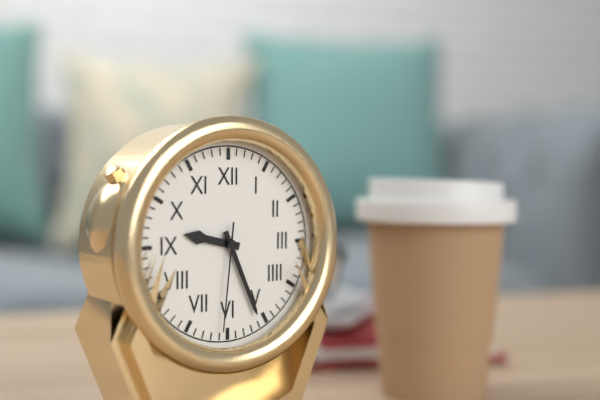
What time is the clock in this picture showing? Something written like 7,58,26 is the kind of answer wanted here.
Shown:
9,26,31
